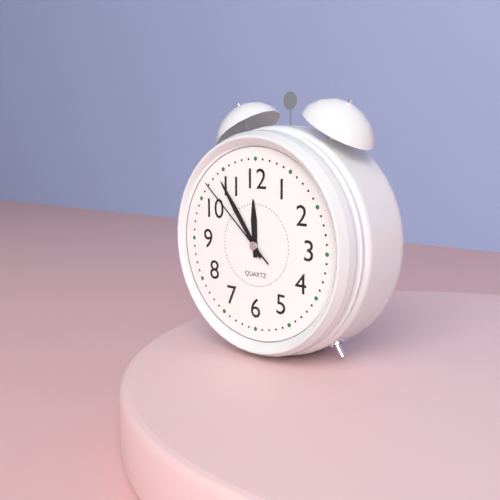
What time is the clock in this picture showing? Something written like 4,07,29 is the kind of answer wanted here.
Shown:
11,54,52
